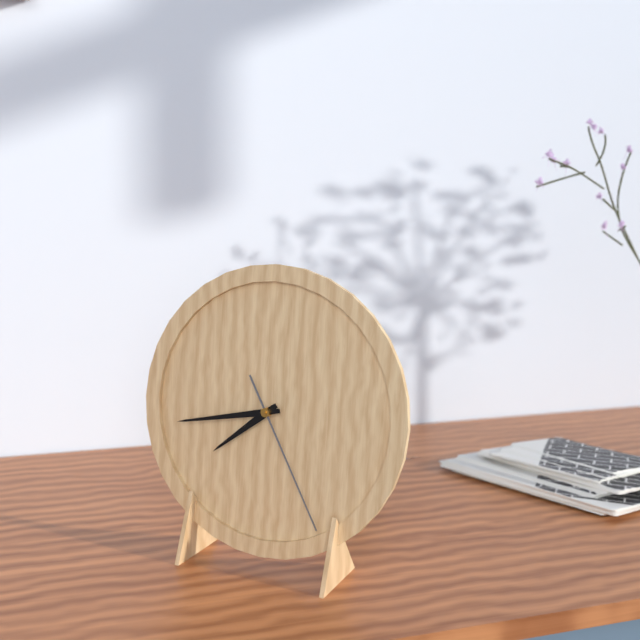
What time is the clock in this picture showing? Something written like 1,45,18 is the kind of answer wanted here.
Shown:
7,43,25
